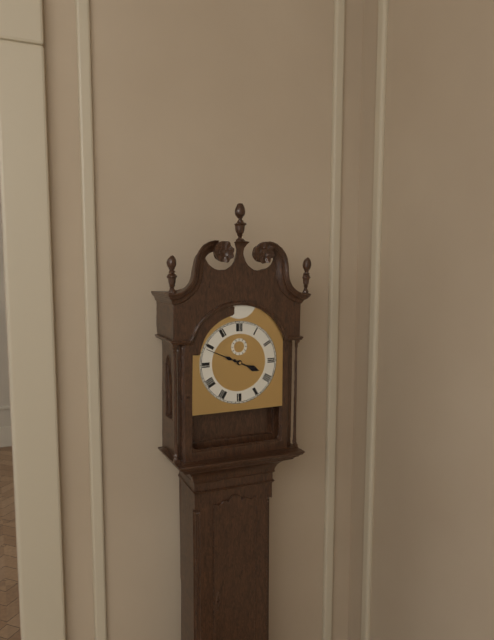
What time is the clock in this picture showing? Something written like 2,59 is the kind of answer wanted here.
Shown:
3,49
